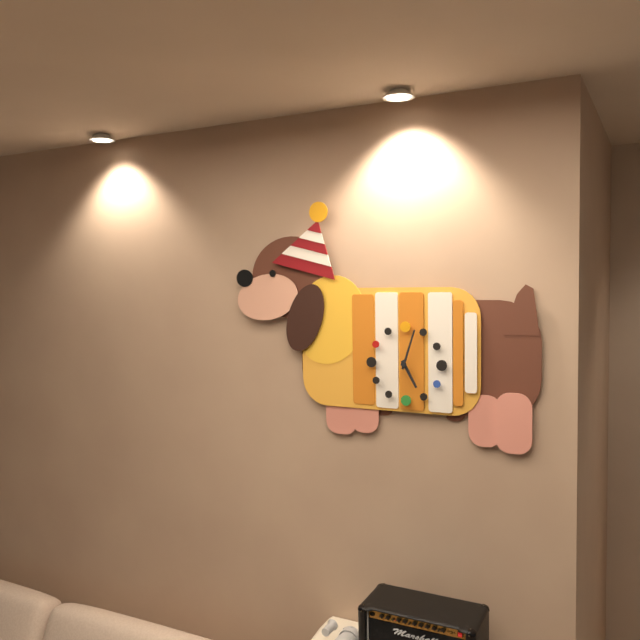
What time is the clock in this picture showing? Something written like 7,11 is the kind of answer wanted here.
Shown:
5,03
